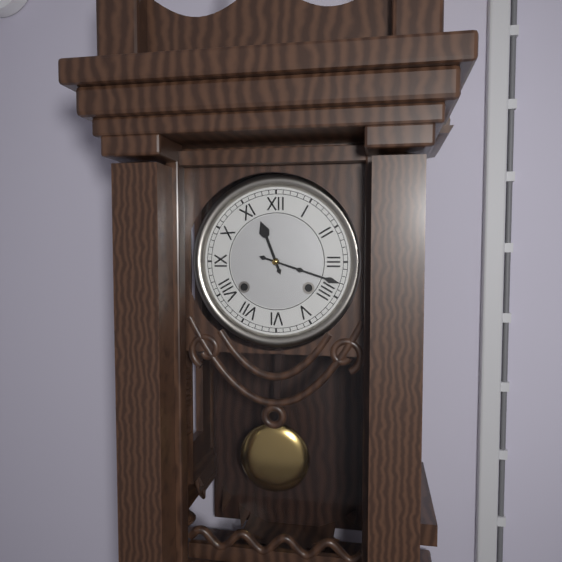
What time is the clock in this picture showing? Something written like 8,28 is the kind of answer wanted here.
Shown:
11,18
